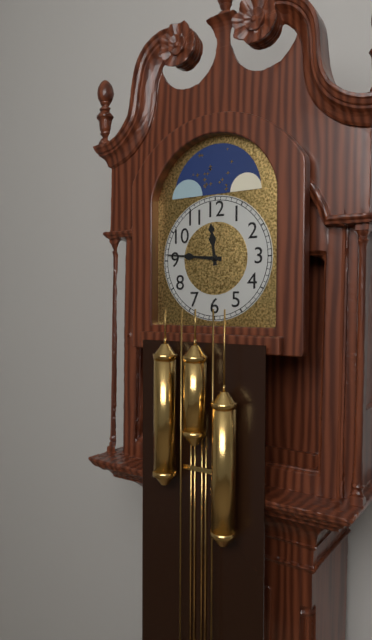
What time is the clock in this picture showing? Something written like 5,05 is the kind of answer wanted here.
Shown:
11,46
